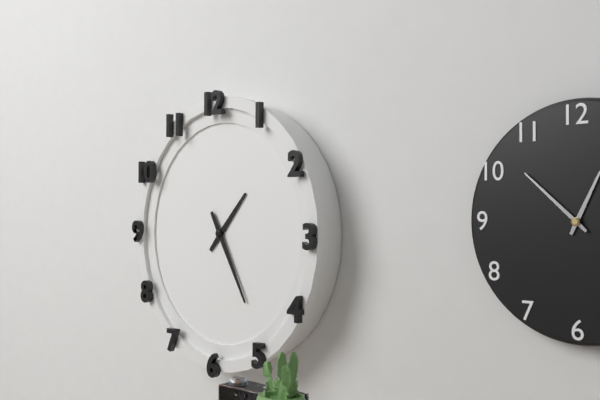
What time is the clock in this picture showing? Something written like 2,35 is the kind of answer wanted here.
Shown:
1,25
